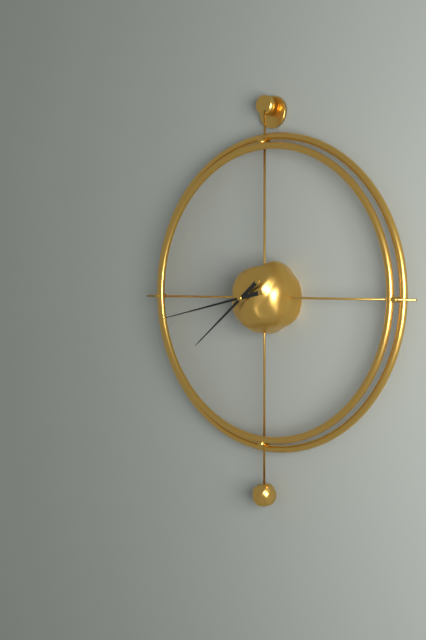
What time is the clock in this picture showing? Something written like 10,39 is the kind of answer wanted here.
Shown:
7,43
